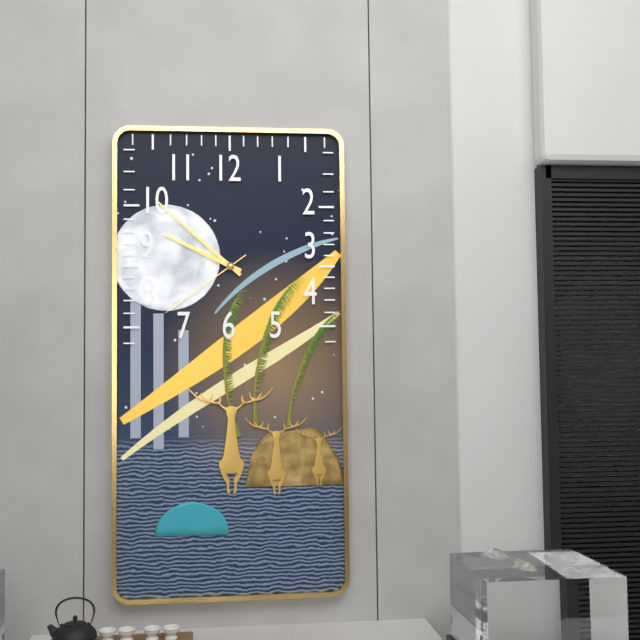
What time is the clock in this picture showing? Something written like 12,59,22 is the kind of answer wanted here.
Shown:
9,52,39
